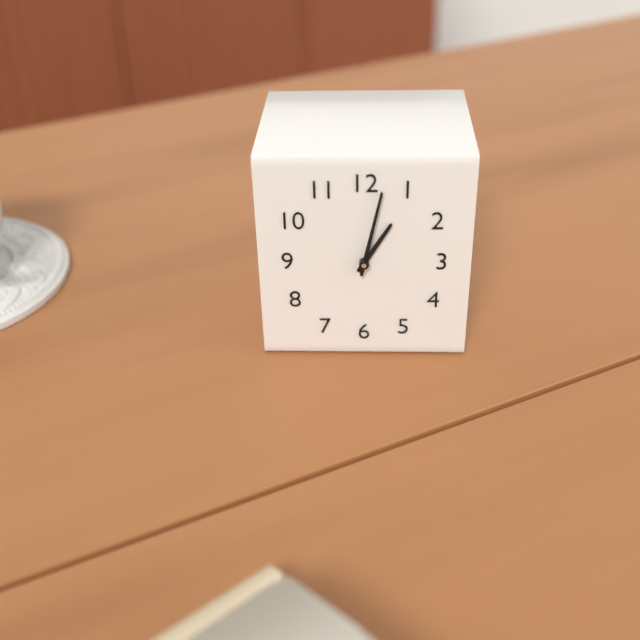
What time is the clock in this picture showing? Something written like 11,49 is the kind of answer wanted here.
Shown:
1,02
